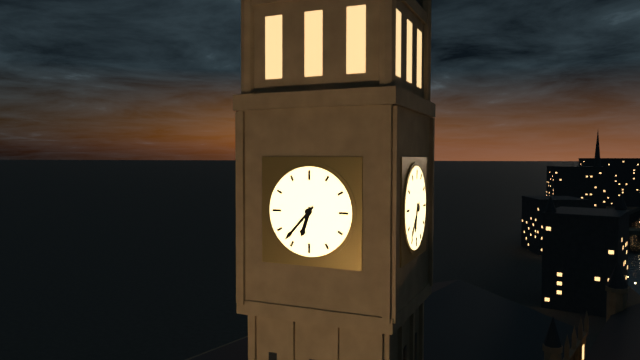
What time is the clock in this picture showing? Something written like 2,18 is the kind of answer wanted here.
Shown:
6,37
